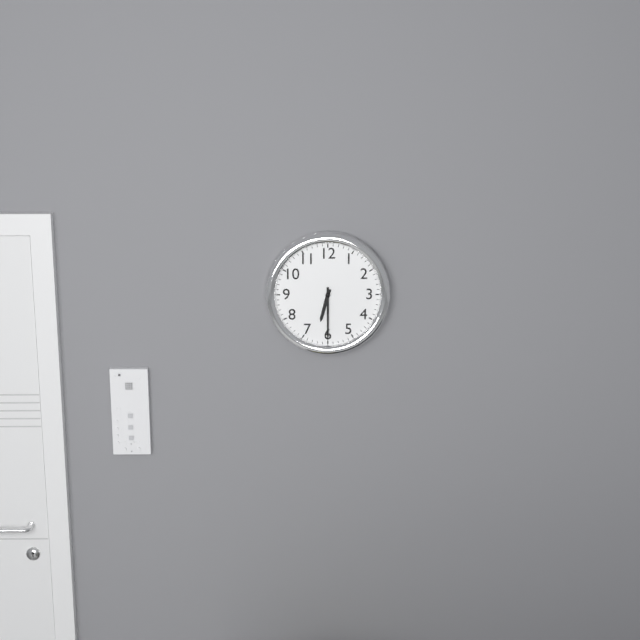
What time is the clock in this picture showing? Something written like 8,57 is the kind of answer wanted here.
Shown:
6,30
